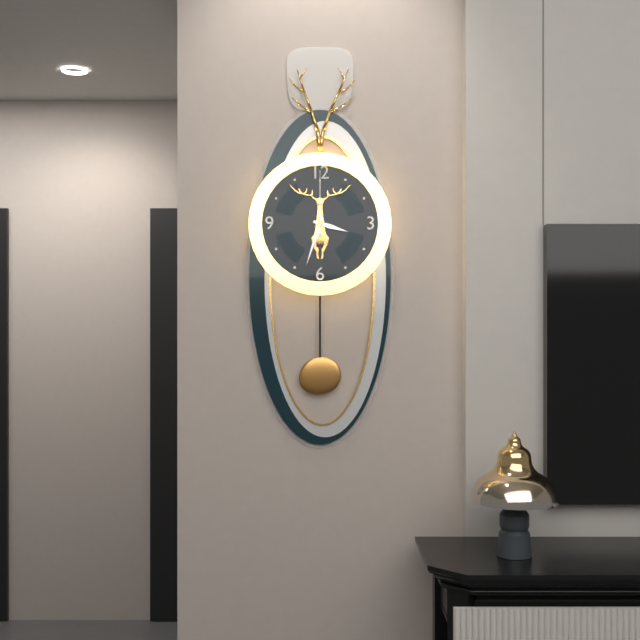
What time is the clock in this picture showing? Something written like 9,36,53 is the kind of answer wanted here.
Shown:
3,33,00
